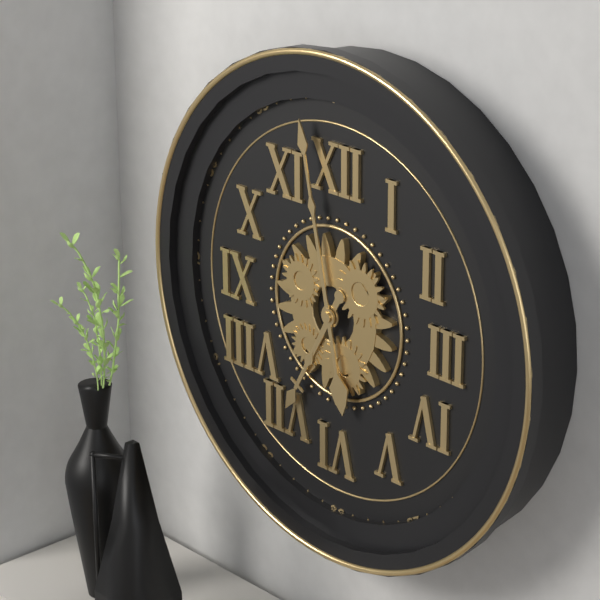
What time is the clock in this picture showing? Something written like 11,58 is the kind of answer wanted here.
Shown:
6,58
